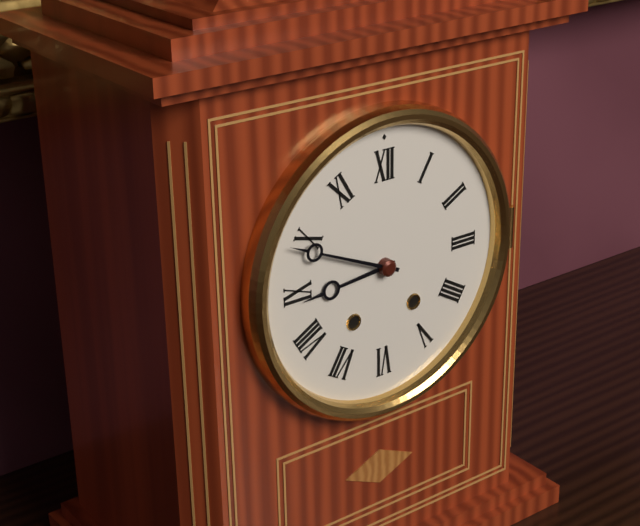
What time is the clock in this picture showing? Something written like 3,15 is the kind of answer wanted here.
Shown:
8,49
